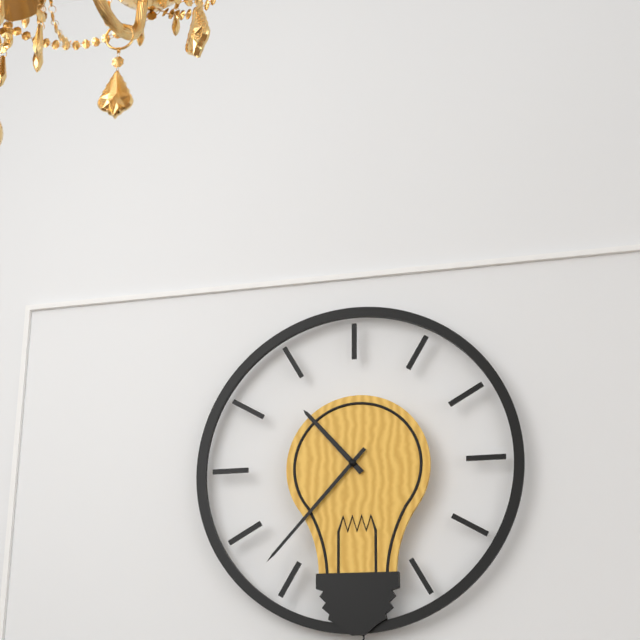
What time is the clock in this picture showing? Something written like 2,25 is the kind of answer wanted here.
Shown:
10,37
